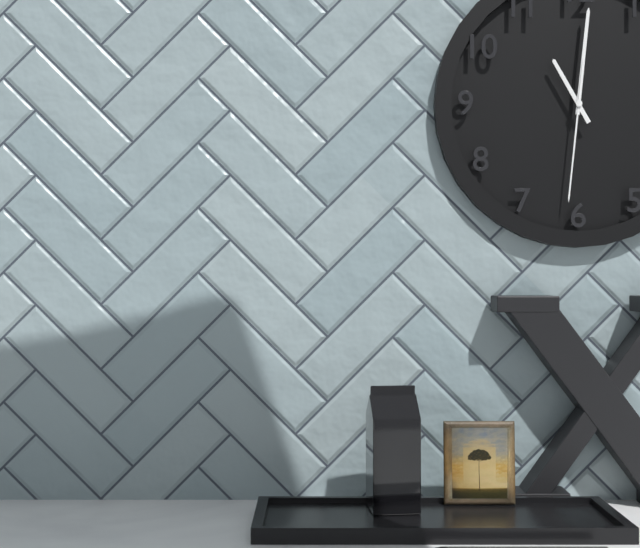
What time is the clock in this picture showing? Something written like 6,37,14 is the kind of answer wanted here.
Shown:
11,01,31
